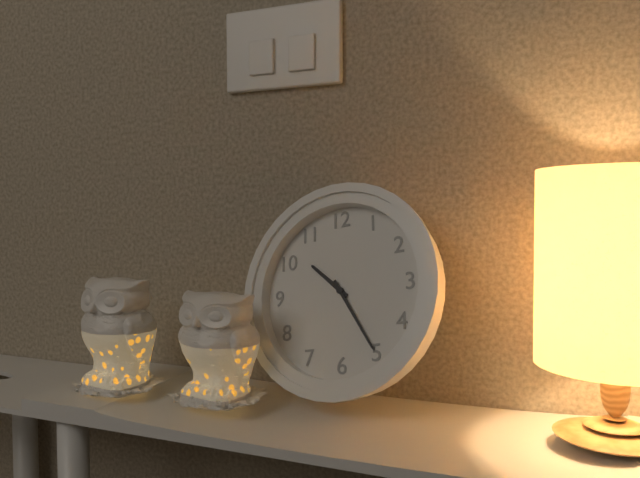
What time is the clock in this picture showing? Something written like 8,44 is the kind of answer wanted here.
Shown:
10,25
